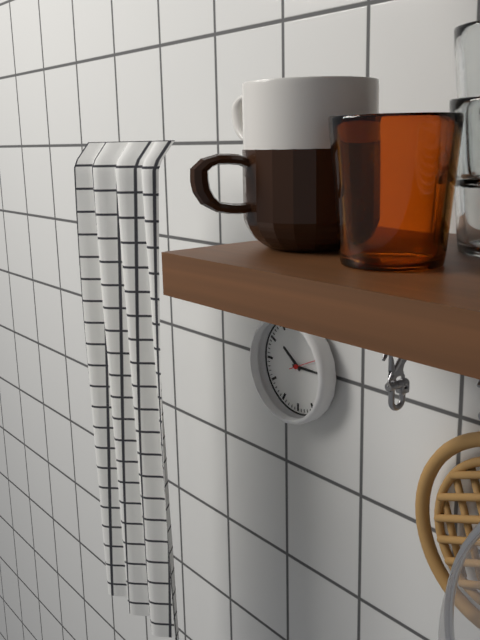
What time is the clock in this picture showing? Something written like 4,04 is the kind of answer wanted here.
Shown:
10,15
